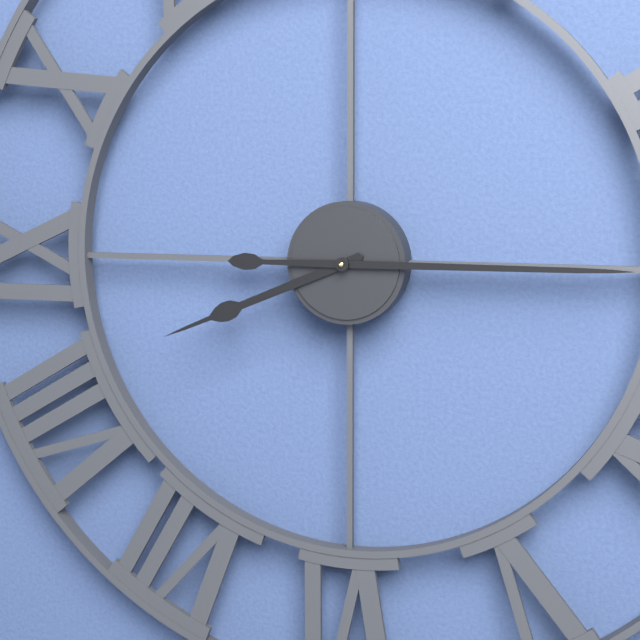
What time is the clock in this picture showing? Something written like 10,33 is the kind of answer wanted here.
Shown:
8,15
